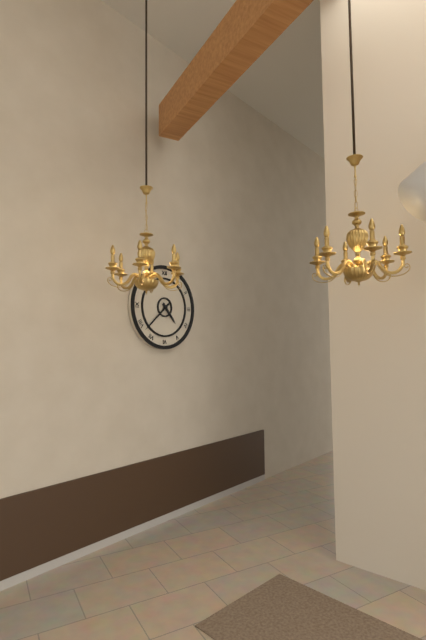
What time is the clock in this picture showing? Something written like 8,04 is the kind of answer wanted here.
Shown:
4,38
